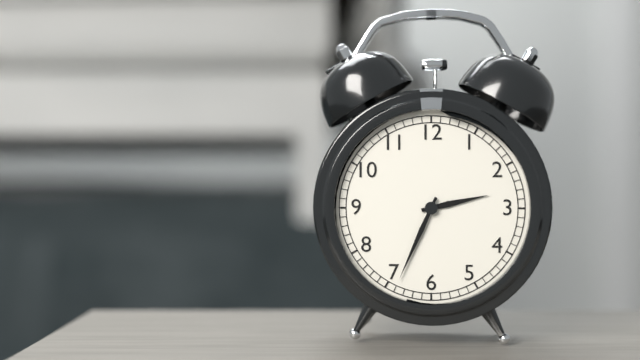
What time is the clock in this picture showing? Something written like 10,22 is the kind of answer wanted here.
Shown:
2,34
